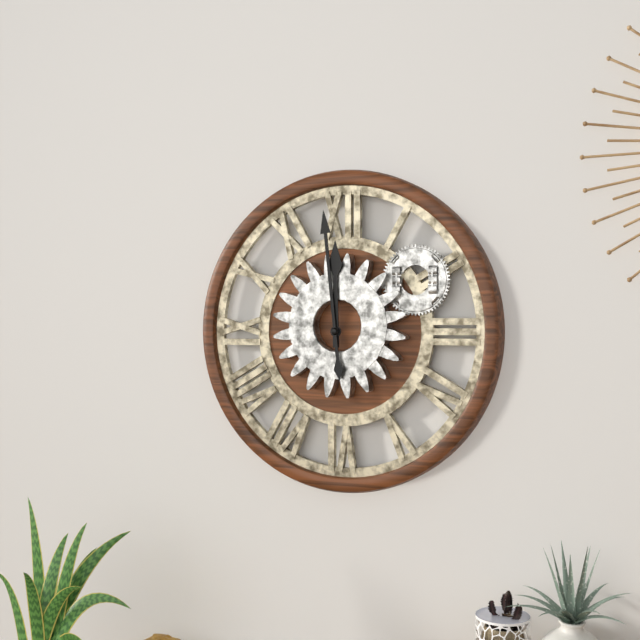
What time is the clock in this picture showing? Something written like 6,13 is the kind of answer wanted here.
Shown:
11,59
